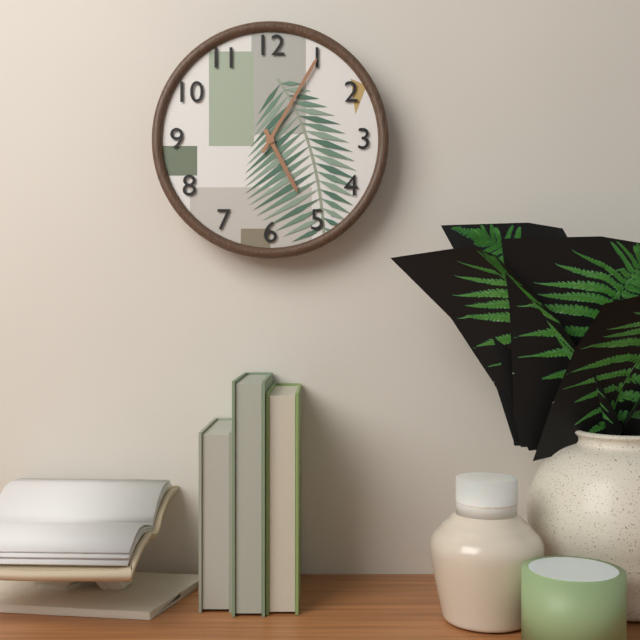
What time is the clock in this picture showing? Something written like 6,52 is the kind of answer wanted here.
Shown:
5,05
